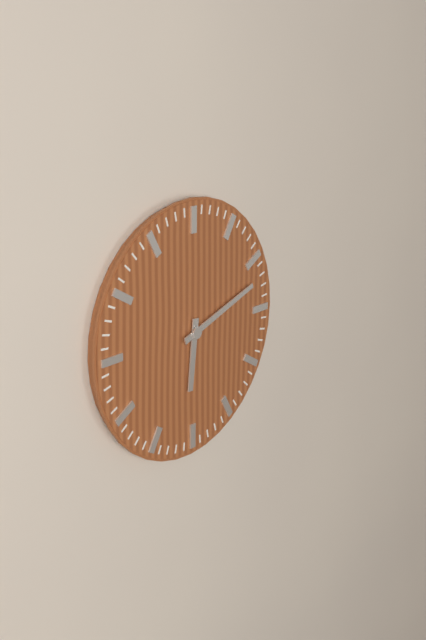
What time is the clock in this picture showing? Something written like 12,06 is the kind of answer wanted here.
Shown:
6,12
